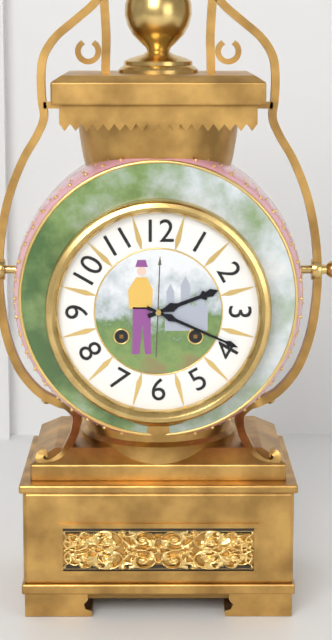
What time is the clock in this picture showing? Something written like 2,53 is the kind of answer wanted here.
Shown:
2,19
